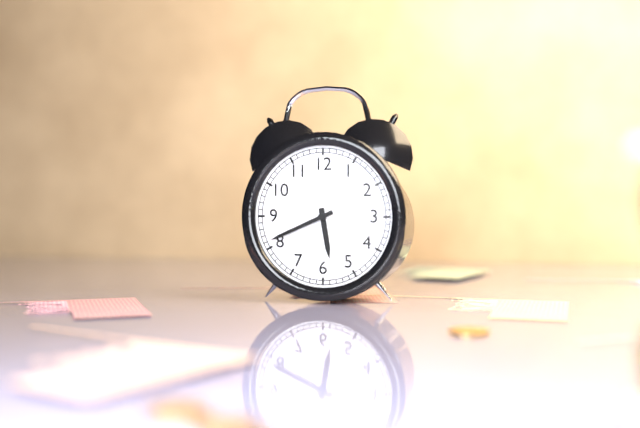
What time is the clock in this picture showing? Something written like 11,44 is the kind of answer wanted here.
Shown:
5,41
